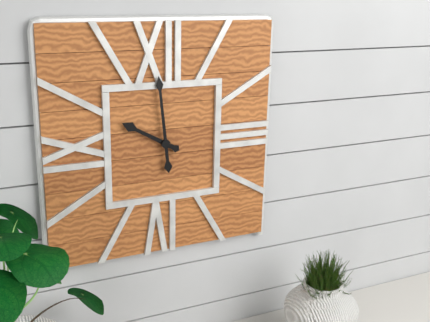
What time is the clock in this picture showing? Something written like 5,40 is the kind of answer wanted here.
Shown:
9,59
